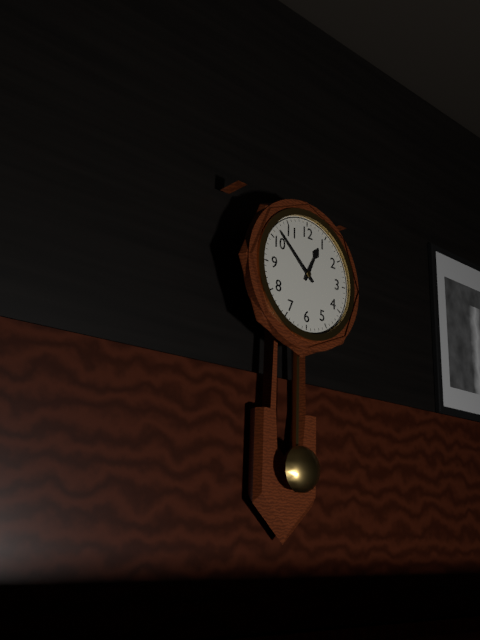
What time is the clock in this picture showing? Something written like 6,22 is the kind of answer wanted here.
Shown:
12,52
